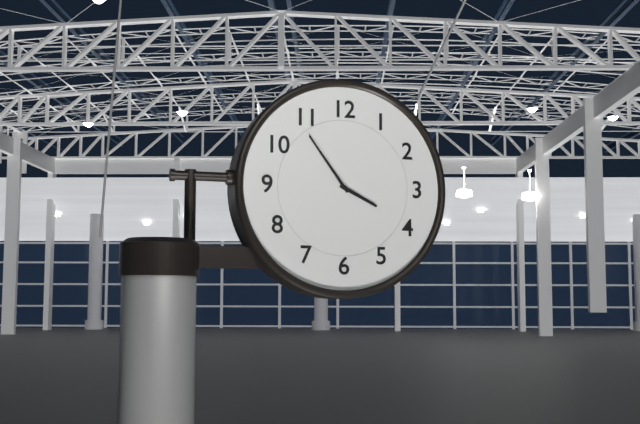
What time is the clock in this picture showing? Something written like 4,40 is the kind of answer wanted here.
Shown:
3,54
